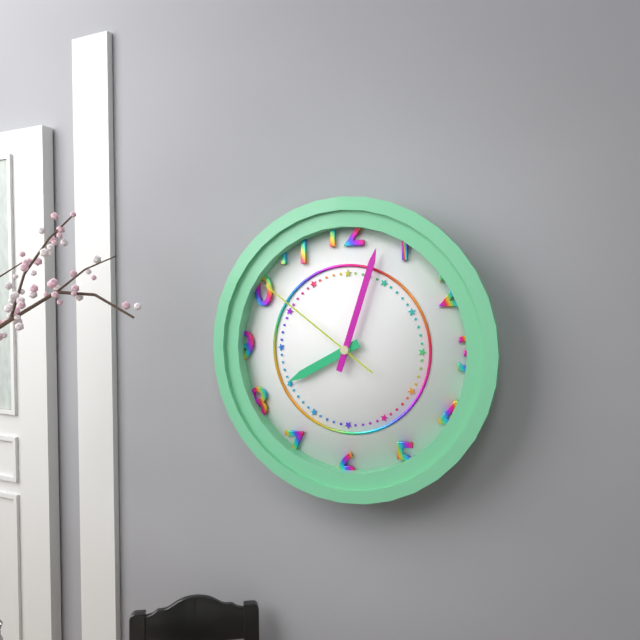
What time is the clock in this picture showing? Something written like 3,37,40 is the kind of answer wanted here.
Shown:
8,03,51
